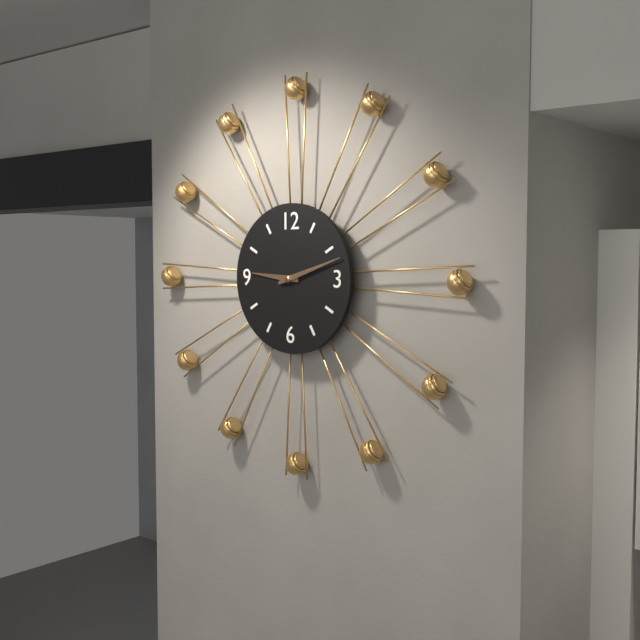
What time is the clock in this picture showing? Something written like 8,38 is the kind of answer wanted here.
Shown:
9,12
